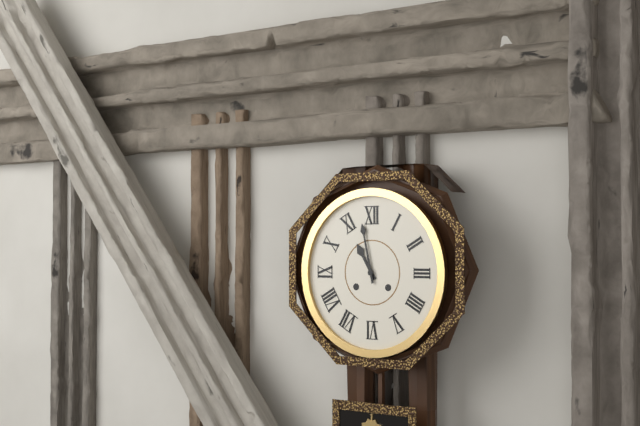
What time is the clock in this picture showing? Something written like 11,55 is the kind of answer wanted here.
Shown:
10,58
